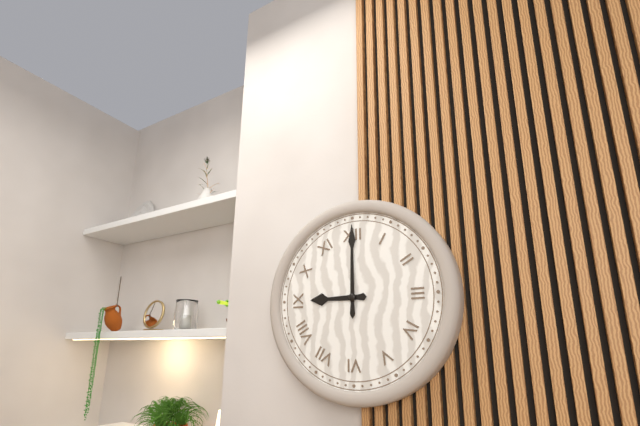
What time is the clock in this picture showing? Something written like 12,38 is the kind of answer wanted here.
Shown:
9,00
